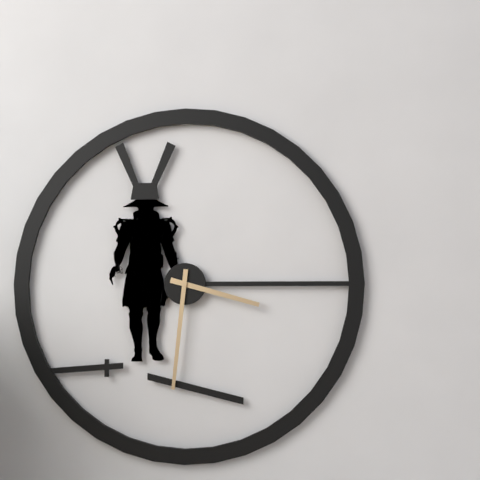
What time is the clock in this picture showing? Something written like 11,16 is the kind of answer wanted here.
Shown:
3,31
